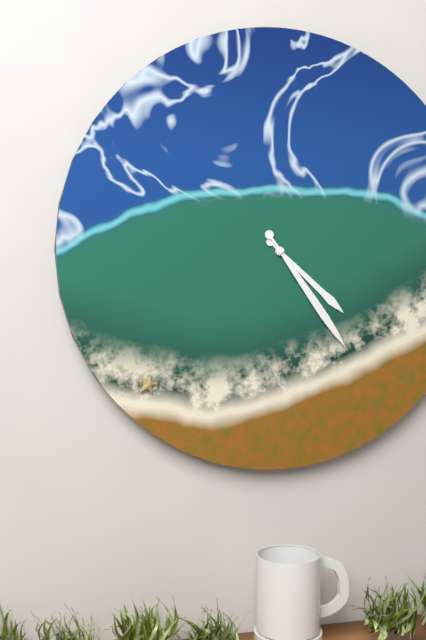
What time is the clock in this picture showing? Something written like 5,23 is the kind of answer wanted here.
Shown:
4,24
